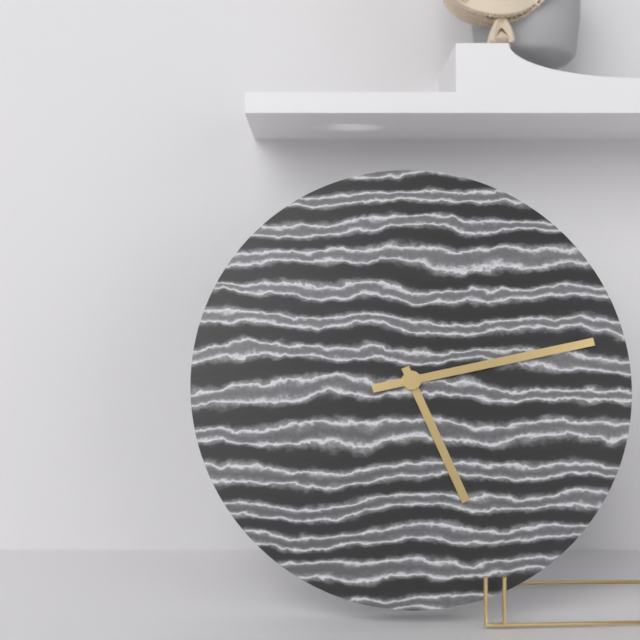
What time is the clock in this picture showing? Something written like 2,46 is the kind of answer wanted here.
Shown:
5,13
